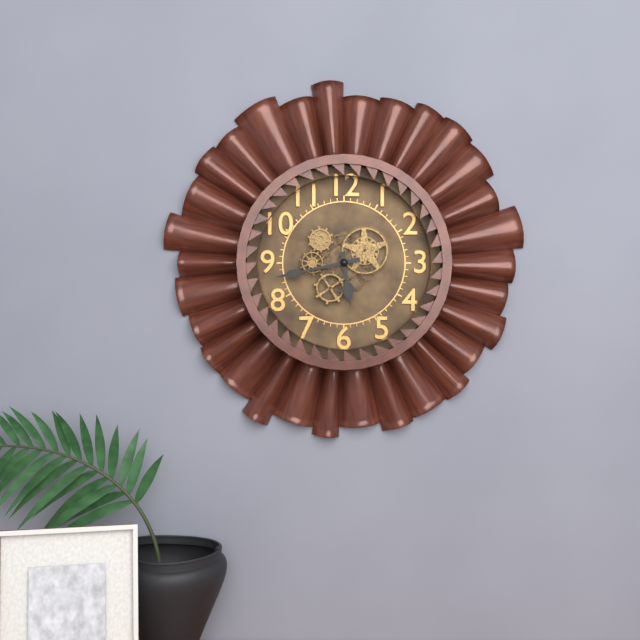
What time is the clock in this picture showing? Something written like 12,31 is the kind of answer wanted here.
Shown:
5,43
